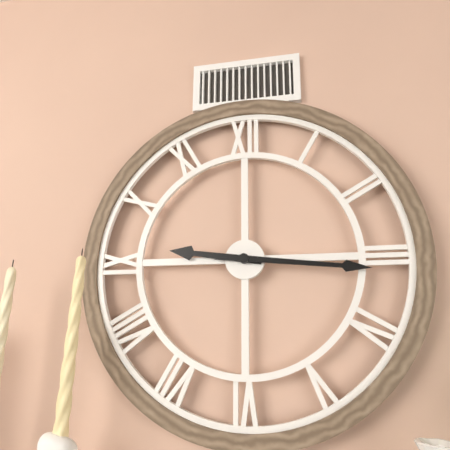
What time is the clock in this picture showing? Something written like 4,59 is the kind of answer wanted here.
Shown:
9,16
